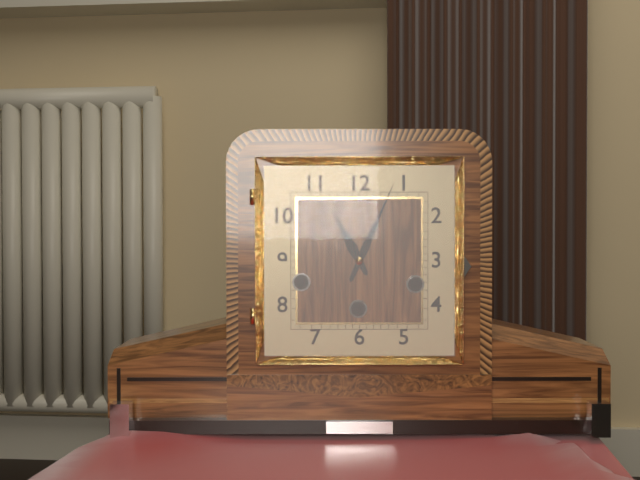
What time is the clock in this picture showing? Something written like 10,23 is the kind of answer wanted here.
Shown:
11,04
